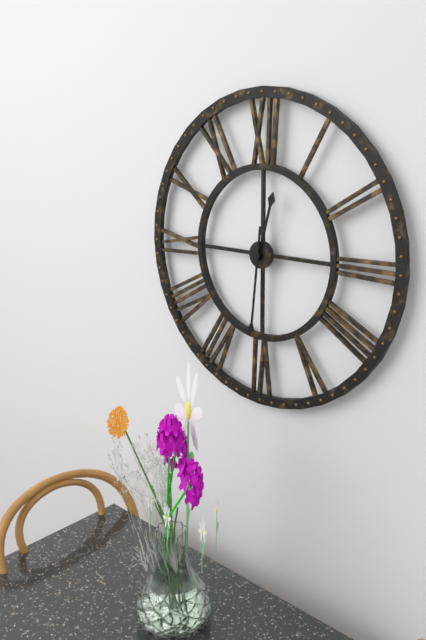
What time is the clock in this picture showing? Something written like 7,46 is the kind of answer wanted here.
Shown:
12,31
